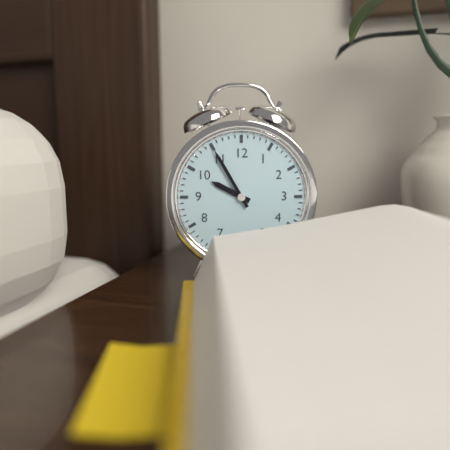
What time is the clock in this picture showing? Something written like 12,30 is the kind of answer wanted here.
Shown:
9,55
